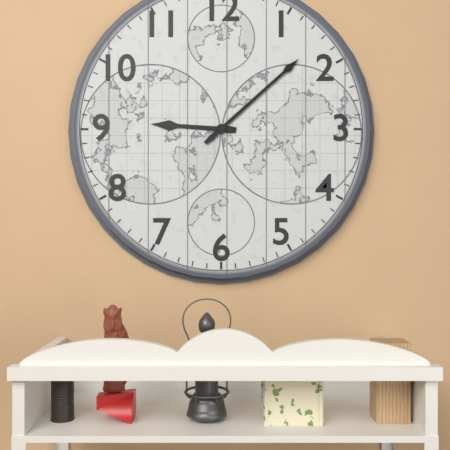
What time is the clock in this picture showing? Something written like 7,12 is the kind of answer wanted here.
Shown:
9,08
